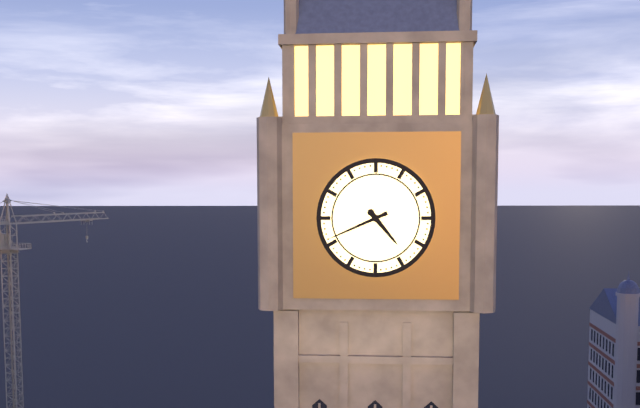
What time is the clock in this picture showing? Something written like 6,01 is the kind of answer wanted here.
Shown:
4,41
